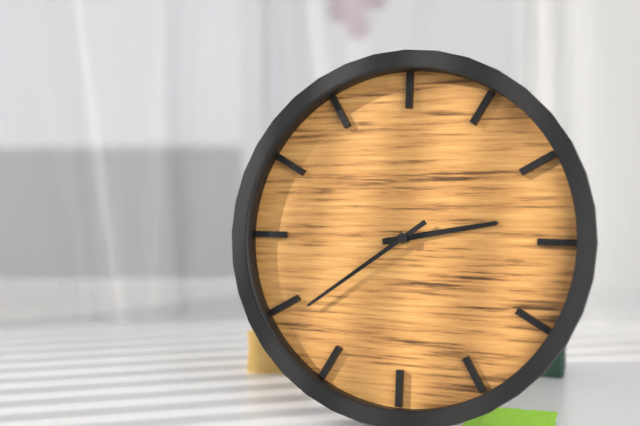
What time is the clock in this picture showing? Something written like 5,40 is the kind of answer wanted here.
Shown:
2,39
